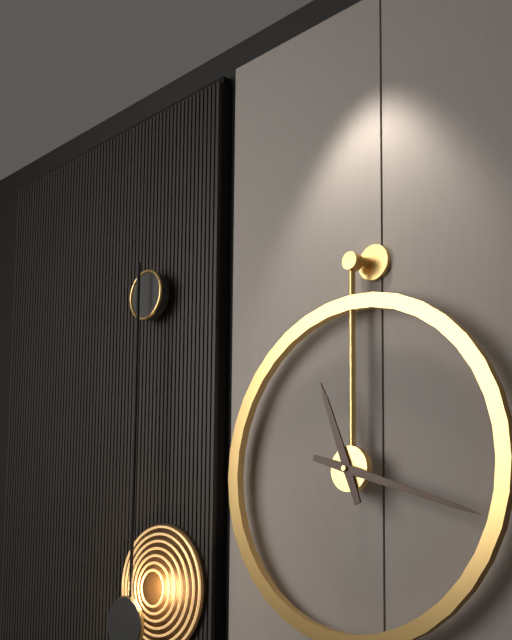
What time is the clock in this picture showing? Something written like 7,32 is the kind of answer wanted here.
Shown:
11,18
